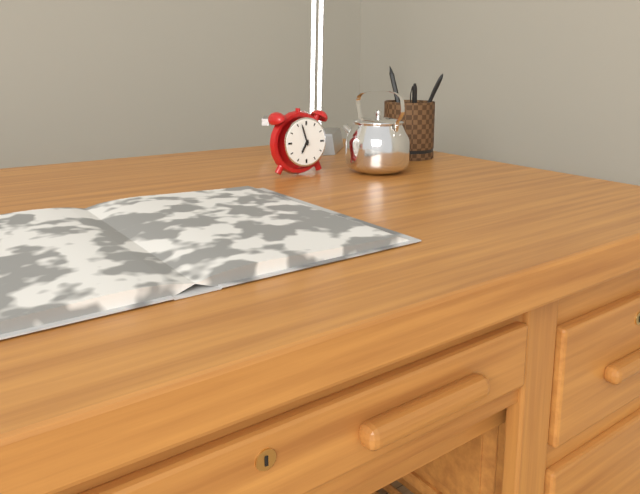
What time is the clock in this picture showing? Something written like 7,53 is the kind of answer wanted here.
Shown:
6,57
